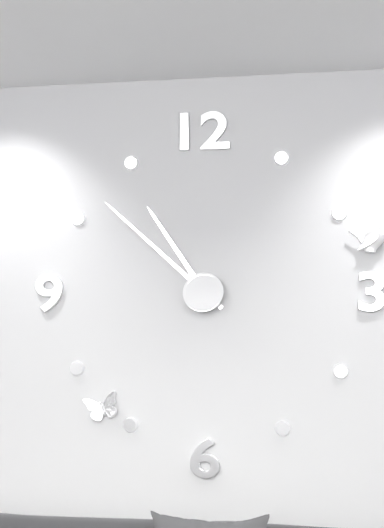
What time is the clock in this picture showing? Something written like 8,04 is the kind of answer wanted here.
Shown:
10,52
